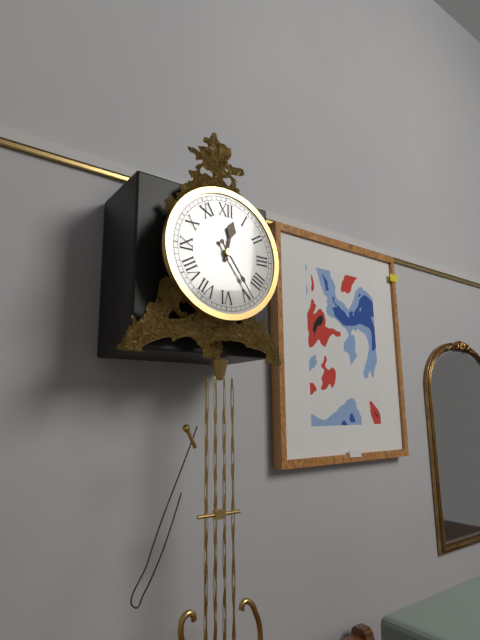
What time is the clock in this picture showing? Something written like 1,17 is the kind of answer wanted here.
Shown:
12,24
